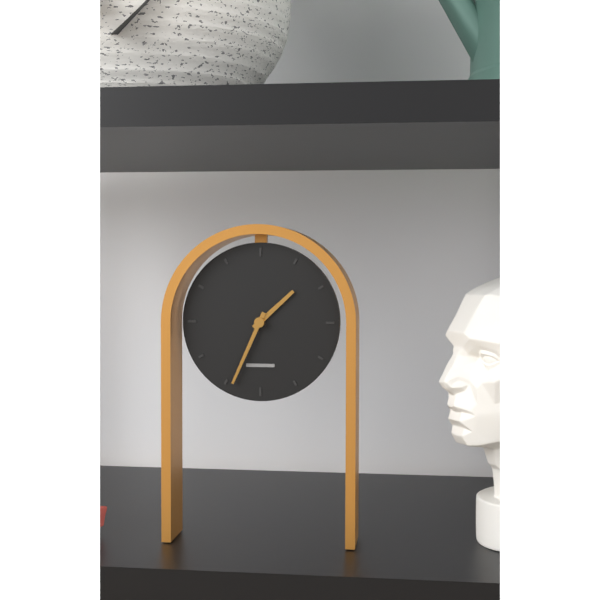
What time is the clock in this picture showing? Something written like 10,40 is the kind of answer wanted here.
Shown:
1,34
